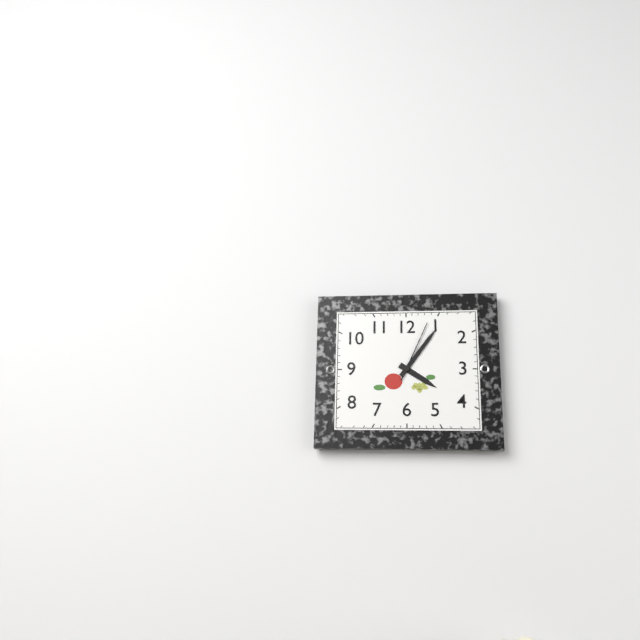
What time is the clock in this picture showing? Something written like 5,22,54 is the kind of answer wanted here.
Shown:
4,06,04
